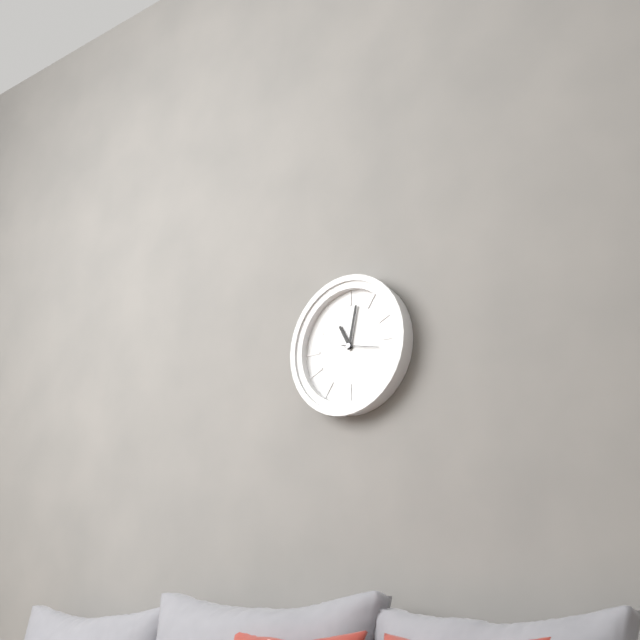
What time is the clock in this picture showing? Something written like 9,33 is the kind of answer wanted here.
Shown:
11,02
